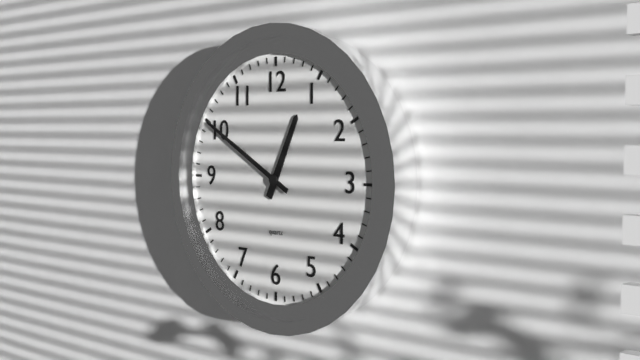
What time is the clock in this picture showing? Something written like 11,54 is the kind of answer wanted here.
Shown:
12,50
